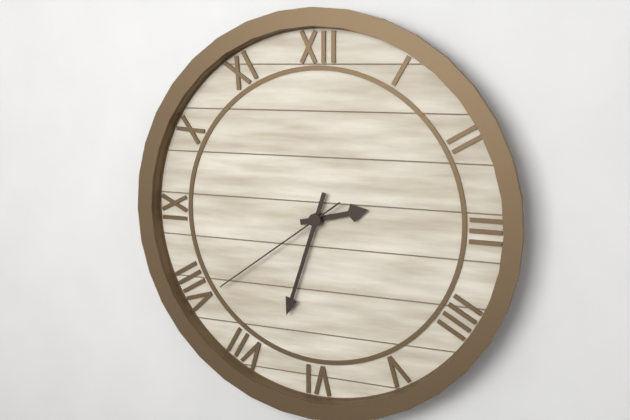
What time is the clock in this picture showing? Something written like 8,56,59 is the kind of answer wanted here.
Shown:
2,33,39
